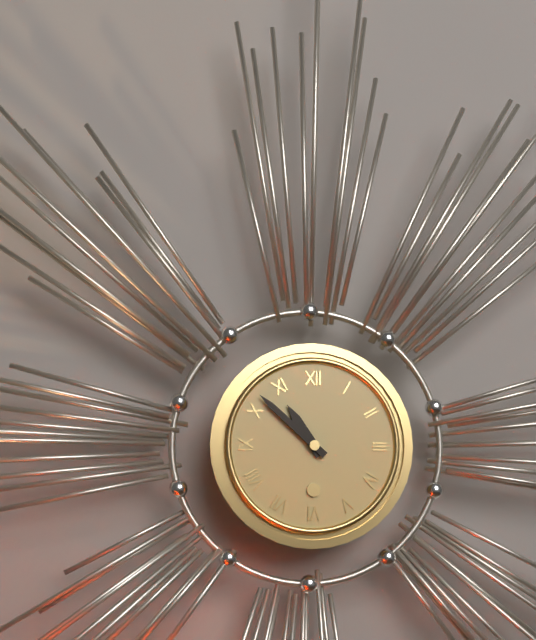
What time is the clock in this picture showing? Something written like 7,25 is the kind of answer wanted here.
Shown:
10,52
